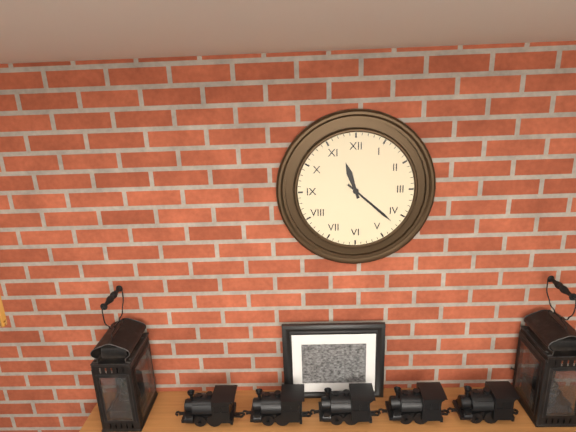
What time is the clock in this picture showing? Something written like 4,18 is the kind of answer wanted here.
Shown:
11,22
